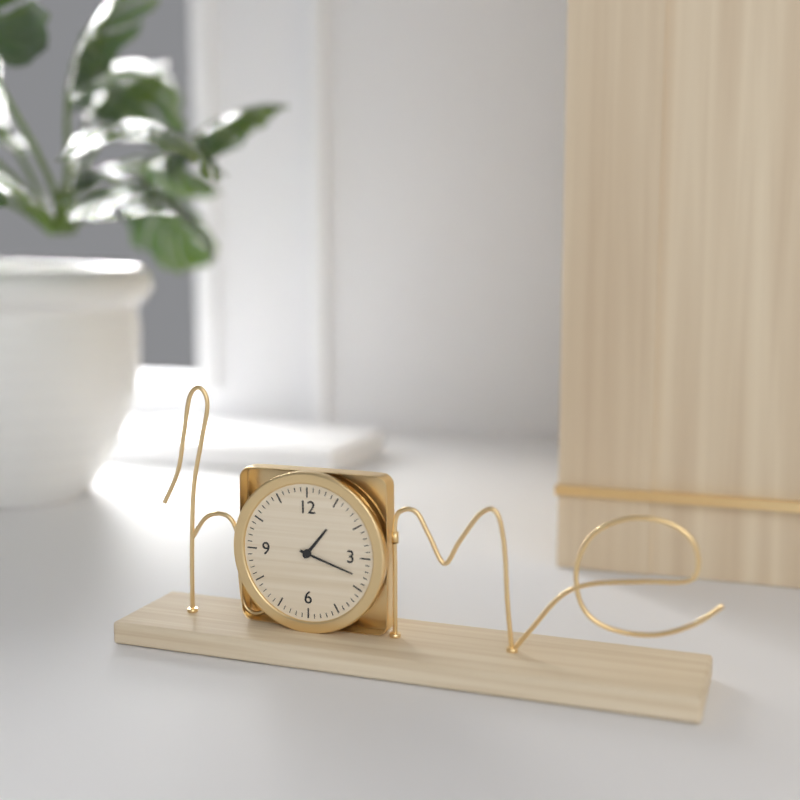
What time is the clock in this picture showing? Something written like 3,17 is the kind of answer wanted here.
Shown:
1,18
